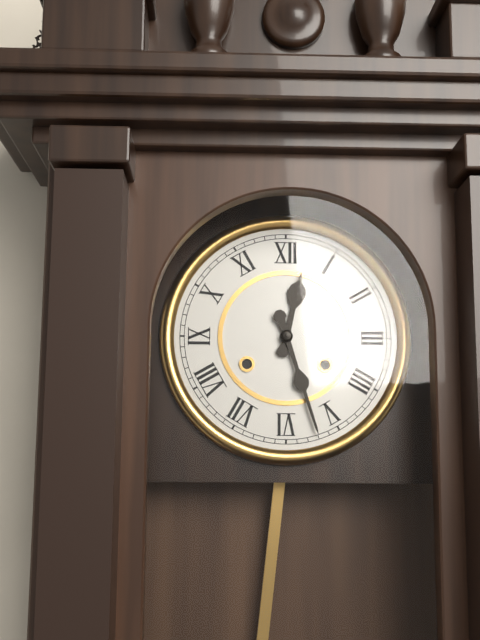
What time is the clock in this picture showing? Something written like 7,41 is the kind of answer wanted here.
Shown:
12,27
